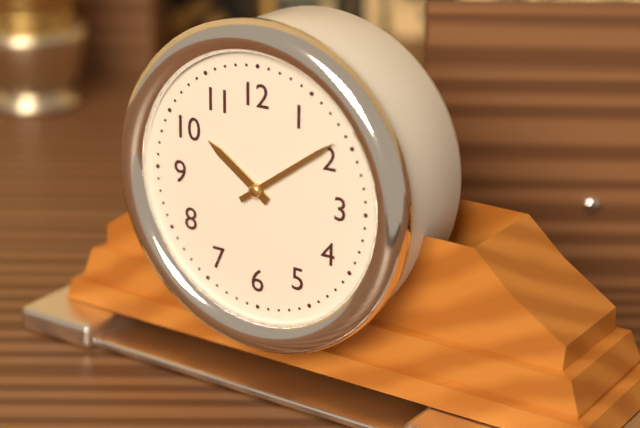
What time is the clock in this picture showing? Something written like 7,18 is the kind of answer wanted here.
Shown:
10,09
